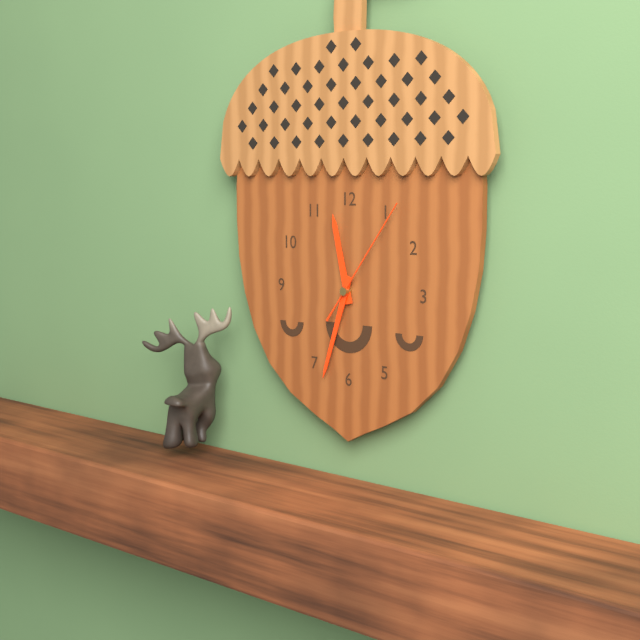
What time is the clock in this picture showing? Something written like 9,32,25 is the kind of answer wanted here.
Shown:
11,33,06
